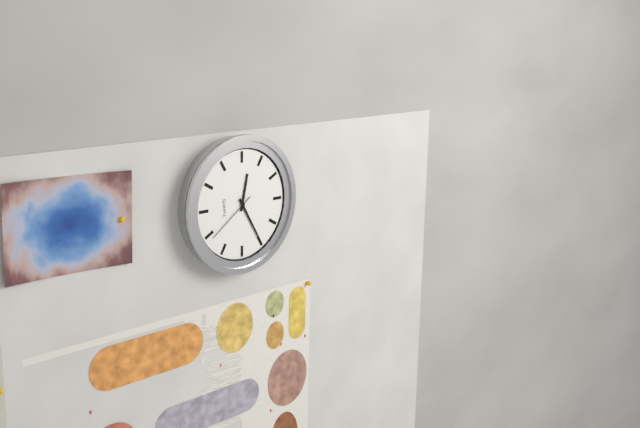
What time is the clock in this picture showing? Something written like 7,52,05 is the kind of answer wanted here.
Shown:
12,25,39
